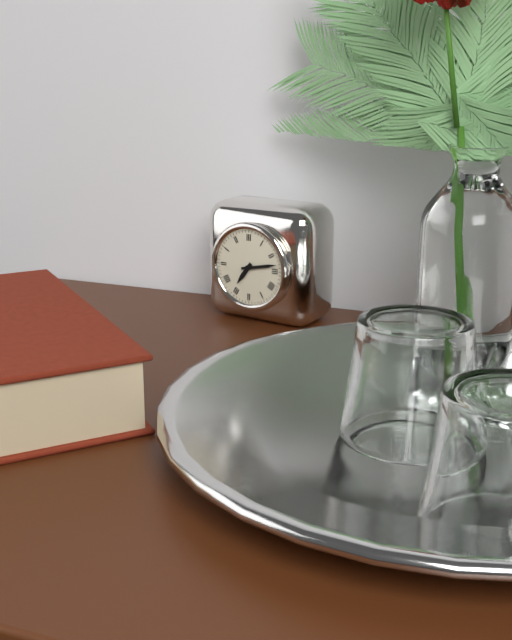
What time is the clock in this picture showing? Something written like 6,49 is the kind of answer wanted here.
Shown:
7,13
